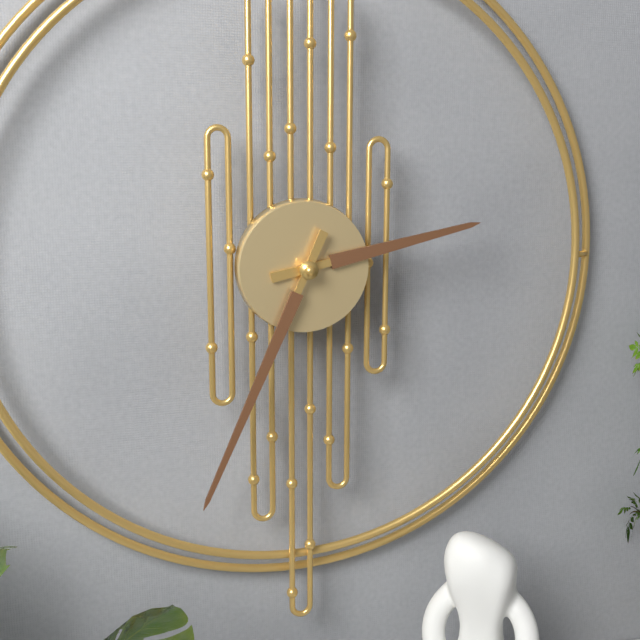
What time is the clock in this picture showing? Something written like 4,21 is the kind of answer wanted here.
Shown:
2,34
